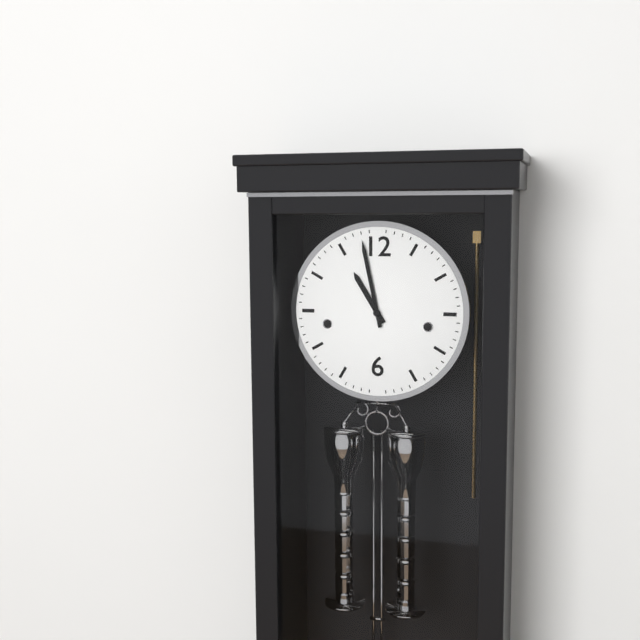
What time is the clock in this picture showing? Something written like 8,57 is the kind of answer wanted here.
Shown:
10,58
